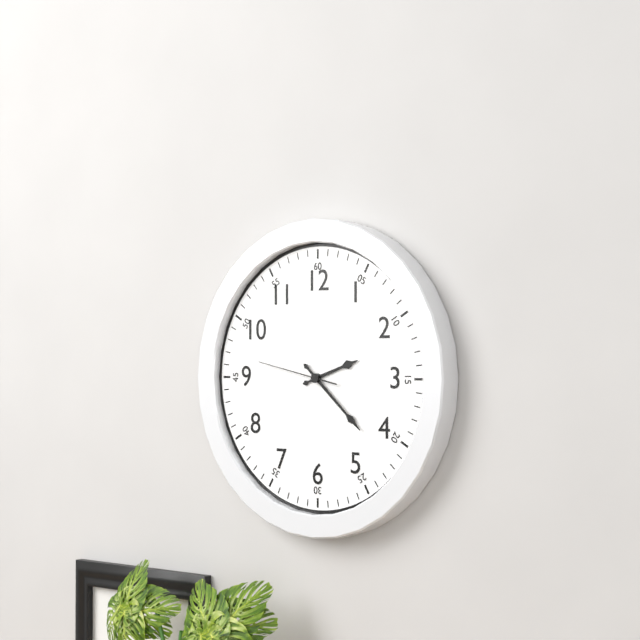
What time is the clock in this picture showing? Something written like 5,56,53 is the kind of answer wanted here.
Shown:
2,22,47
